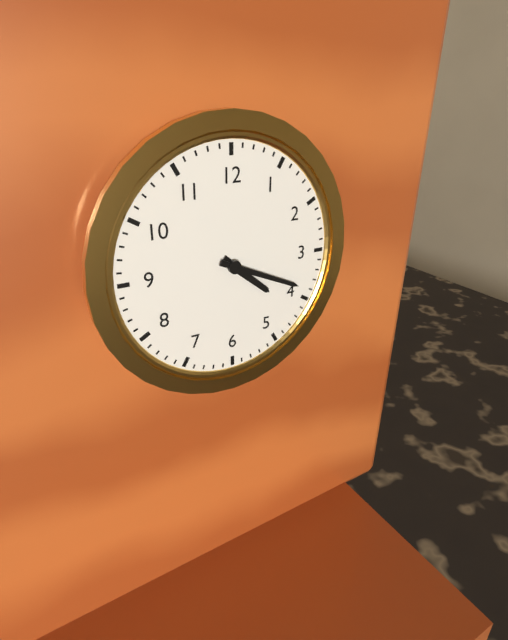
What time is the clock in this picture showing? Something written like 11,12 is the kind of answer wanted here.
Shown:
4,19
